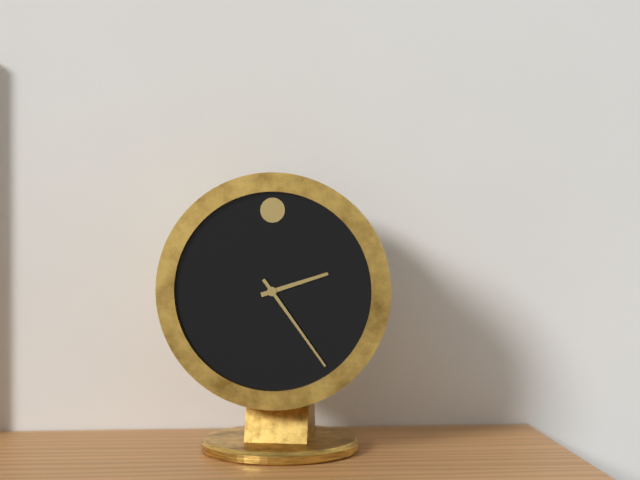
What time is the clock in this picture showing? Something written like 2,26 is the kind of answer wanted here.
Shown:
2,24
